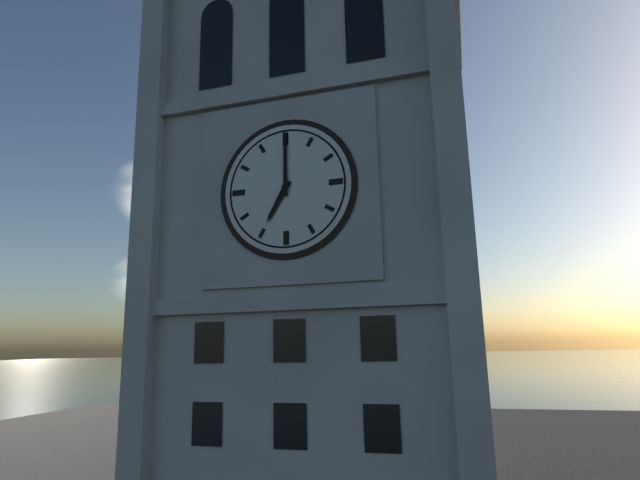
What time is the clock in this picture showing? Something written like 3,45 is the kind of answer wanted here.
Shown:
7,00
